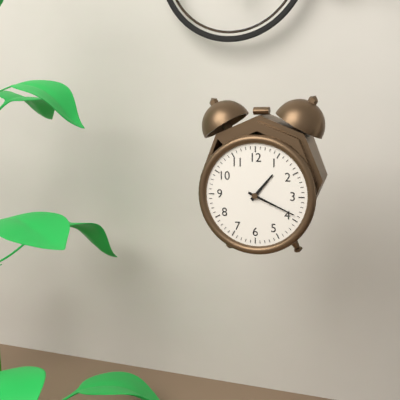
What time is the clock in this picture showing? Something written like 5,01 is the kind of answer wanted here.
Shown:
1,19
